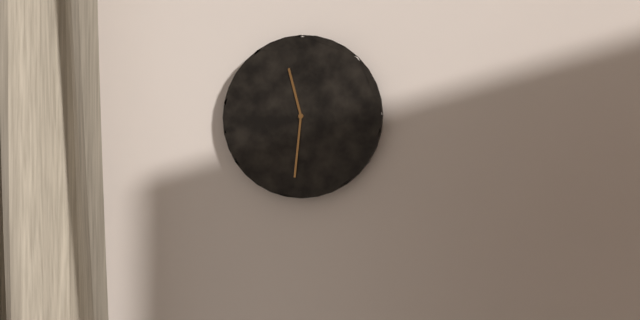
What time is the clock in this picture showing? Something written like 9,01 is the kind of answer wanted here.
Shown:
11,31
